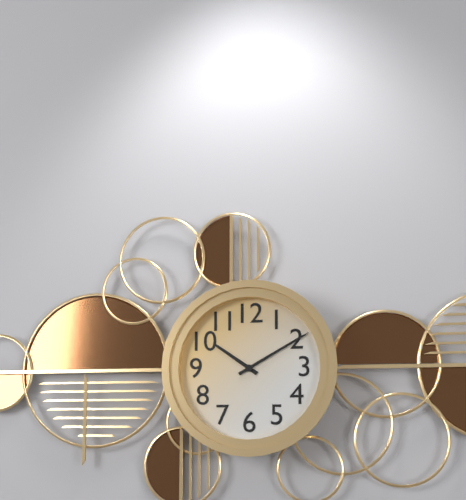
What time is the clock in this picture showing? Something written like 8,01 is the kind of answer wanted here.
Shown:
10,10
